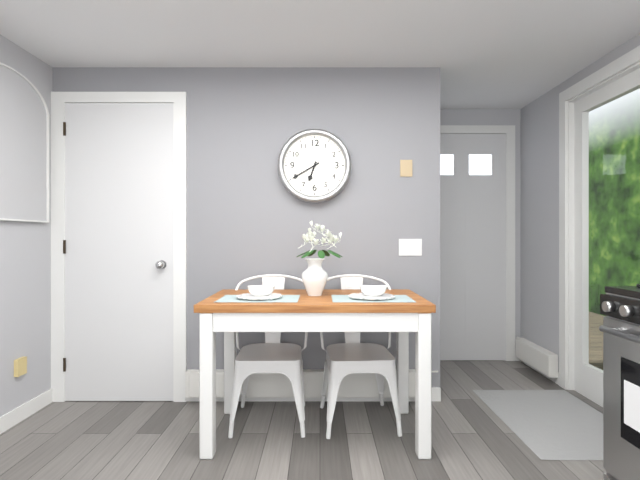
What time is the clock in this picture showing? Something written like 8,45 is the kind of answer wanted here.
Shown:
6,40
